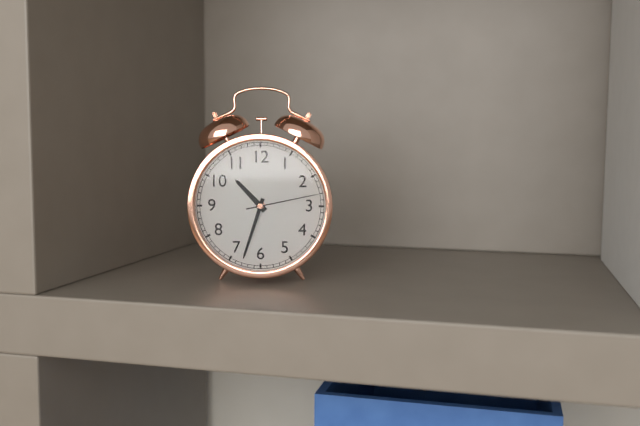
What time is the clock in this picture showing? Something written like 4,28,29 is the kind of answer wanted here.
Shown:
10,33,13
